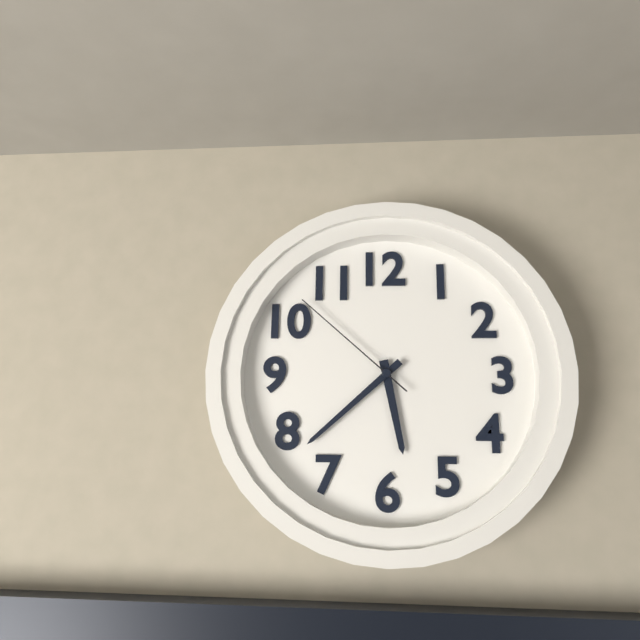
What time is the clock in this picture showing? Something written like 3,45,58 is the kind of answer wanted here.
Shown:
5,38,52
